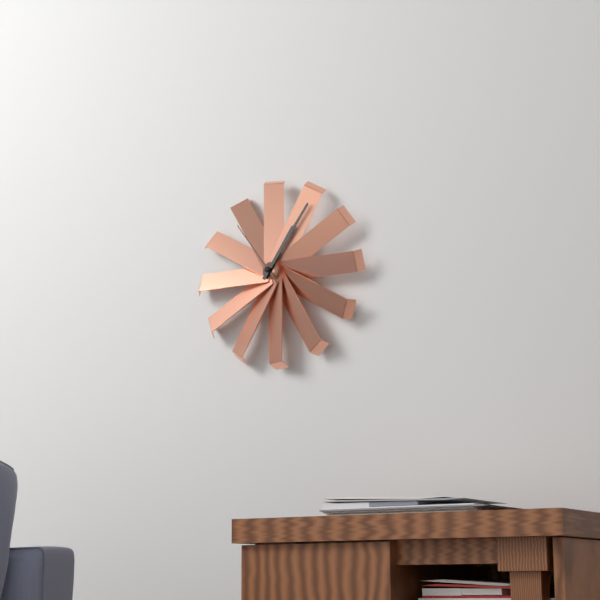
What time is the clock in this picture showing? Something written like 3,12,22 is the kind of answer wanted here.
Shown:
1,06,54
